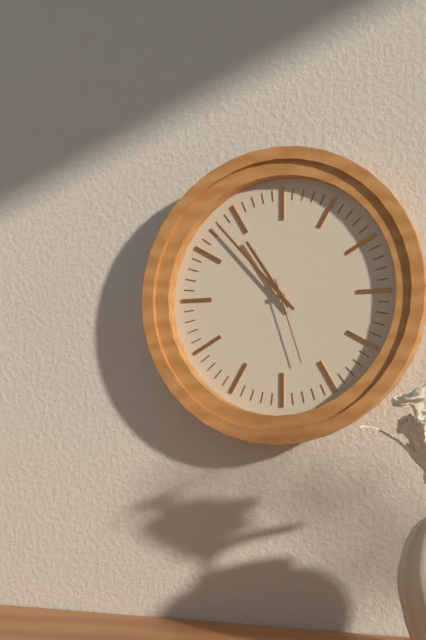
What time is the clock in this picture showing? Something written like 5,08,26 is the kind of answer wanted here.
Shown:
10,53,27
